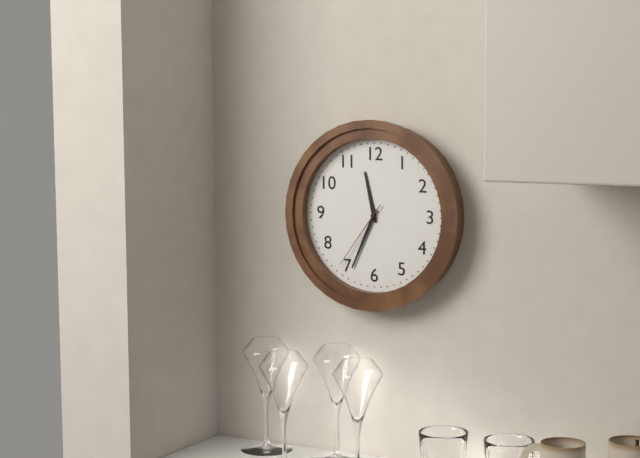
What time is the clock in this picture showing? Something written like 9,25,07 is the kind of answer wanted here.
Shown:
11,34,36
